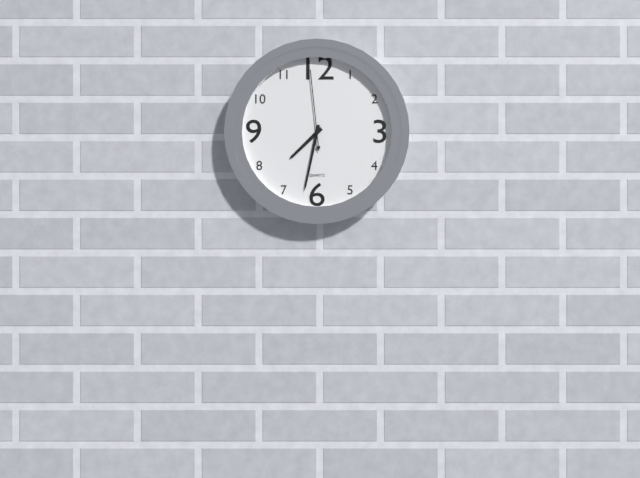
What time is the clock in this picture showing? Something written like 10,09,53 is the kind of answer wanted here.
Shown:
7,32,59
